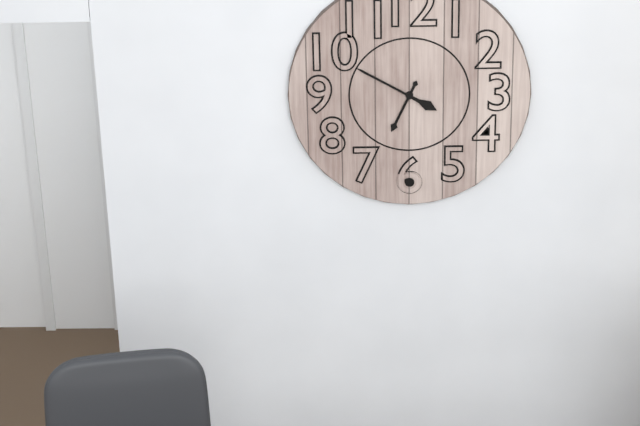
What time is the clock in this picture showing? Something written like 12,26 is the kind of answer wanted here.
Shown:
6,50
